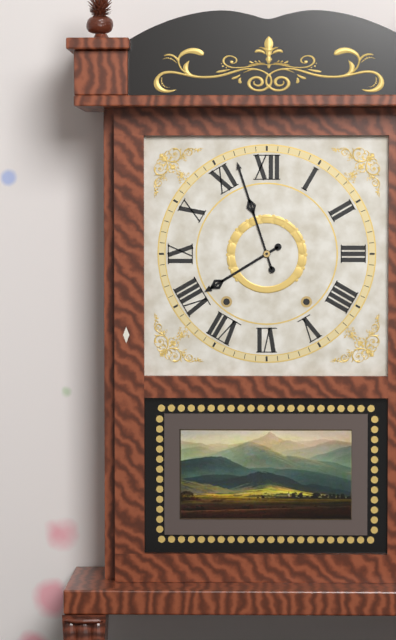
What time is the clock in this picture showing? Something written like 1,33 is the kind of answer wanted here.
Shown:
7,57
